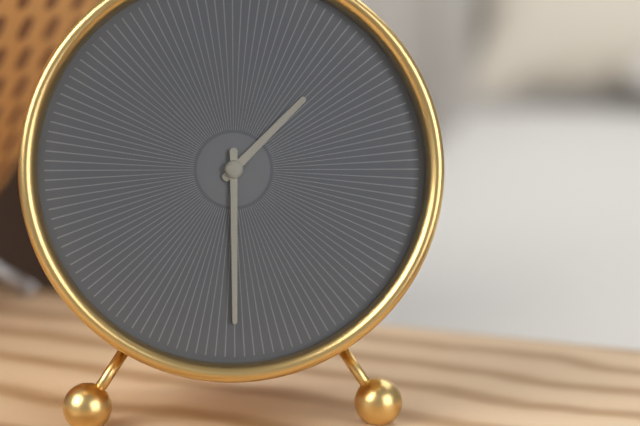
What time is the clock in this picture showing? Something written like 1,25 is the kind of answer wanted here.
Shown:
1,30
